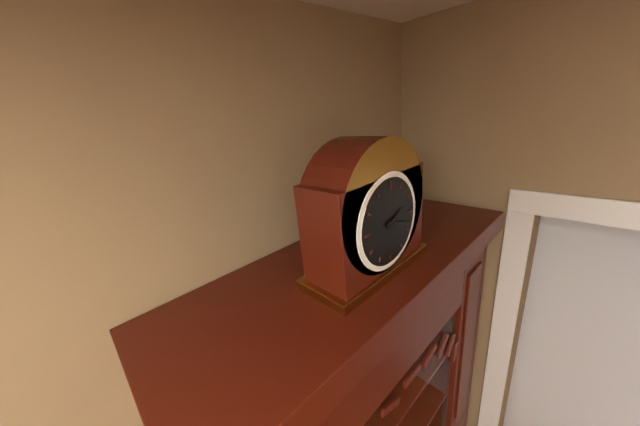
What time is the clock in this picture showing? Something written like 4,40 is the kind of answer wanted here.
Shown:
2,18
